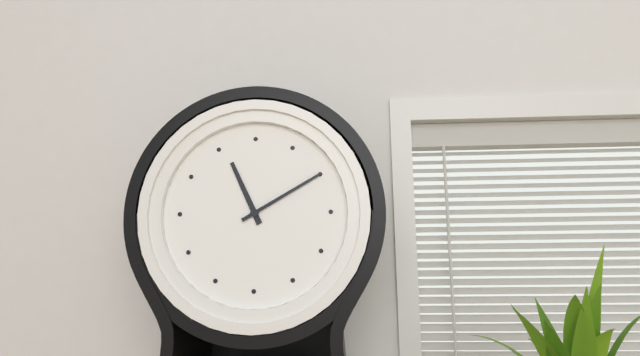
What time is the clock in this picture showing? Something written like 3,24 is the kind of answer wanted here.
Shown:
11,10
